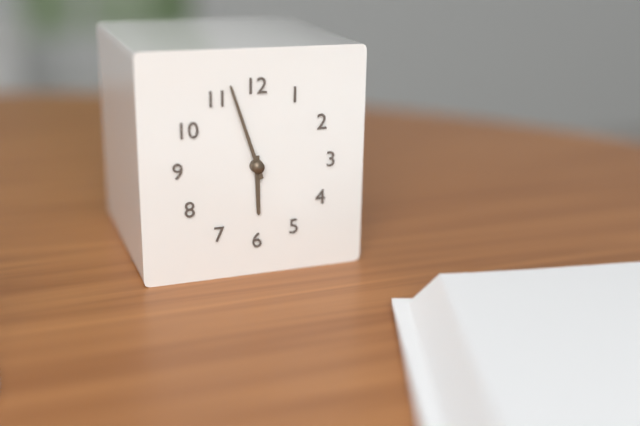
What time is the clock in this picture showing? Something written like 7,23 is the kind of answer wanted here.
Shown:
5,57
